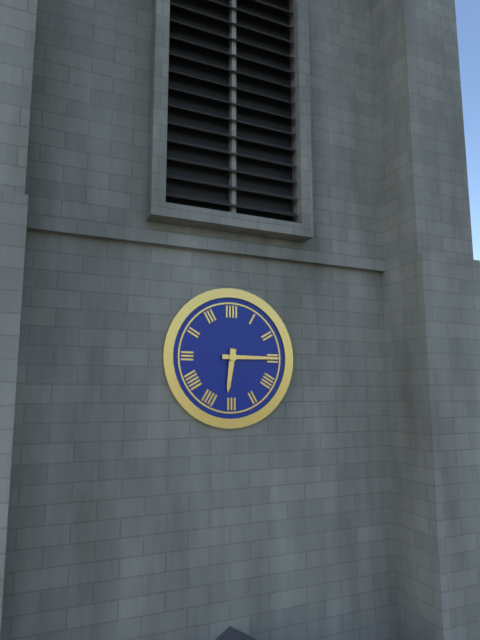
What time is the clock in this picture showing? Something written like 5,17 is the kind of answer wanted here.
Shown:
6,15
